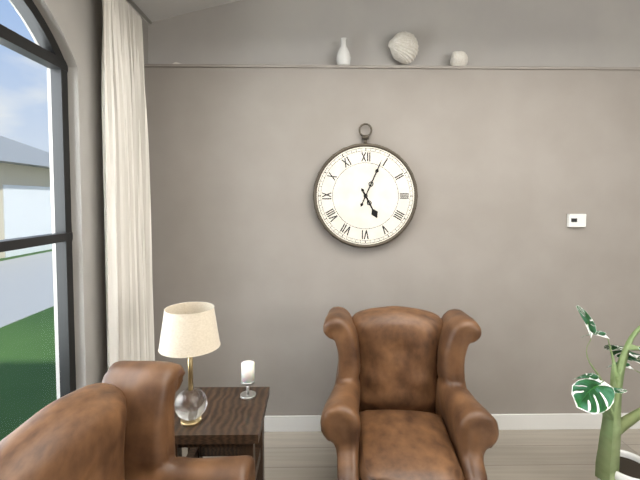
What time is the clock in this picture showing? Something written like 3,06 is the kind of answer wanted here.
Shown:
5,04
